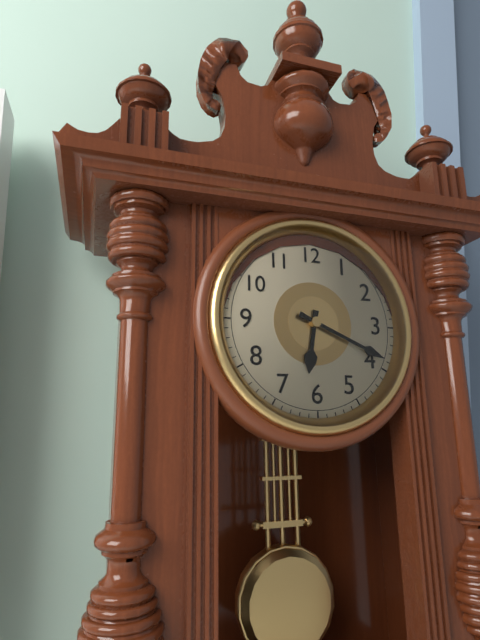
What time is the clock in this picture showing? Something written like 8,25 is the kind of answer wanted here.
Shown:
6,19
